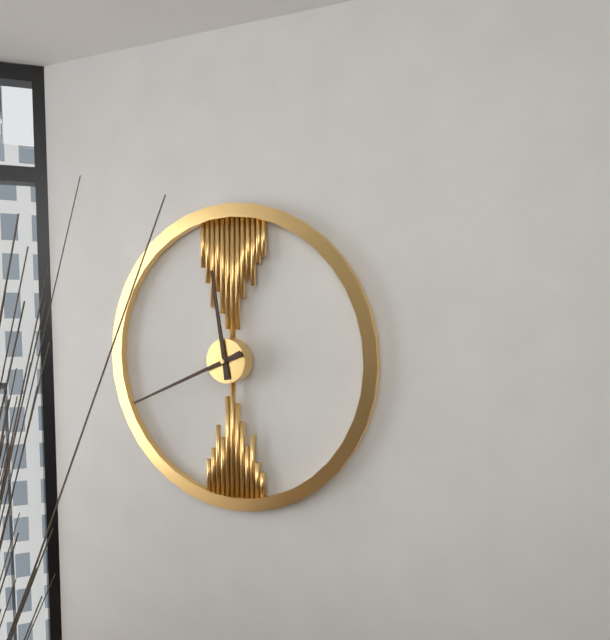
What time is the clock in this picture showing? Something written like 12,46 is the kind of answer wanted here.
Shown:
11,41
